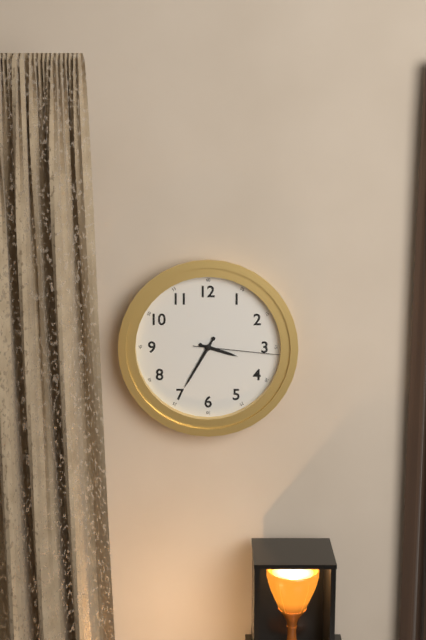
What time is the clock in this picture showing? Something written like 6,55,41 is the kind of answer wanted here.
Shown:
3,35,16
